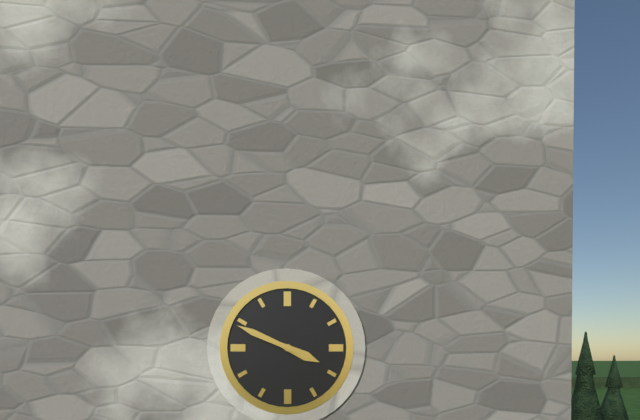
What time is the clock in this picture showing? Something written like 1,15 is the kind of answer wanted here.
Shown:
3,49
